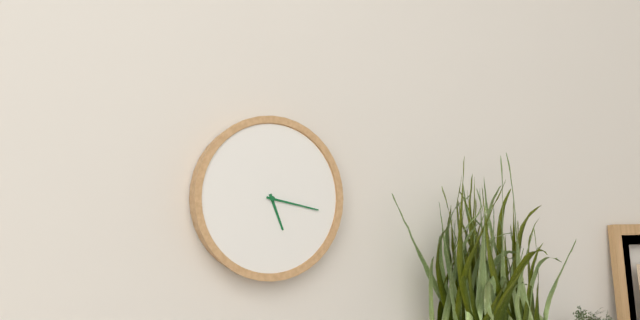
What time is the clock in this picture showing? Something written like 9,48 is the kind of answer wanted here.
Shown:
5,17
